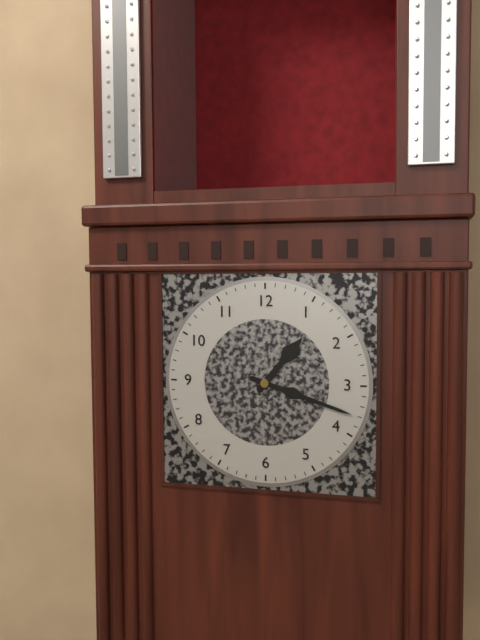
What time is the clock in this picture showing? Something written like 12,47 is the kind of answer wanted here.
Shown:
1,18
